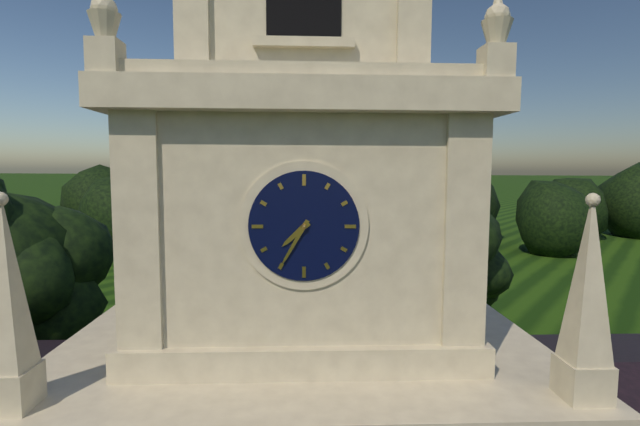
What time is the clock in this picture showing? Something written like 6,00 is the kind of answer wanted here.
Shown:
7,35
